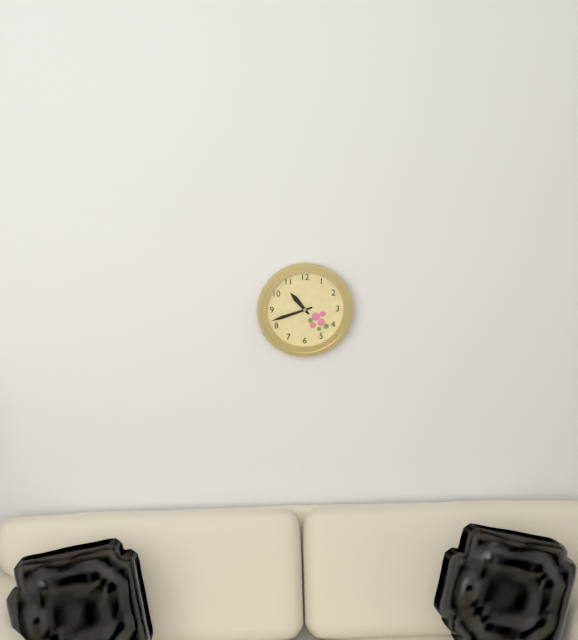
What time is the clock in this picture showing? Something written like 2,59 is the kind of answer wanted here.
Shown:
10,42
